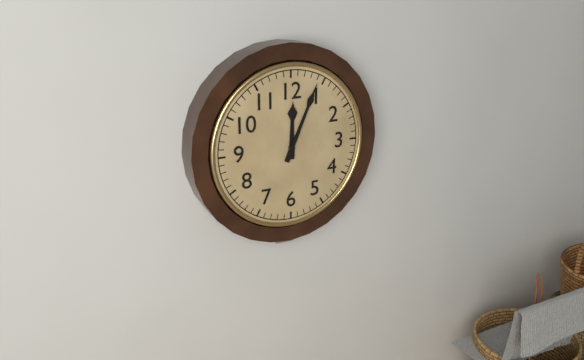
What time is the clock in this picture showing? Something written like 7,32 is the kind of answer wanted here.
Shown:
12,04
